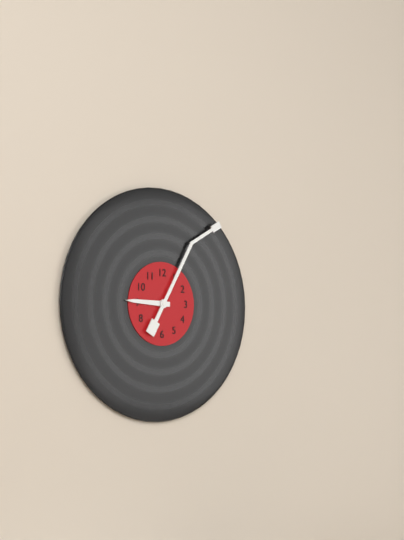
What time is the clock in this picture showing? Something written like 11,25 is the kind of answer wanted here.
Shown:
9,05
